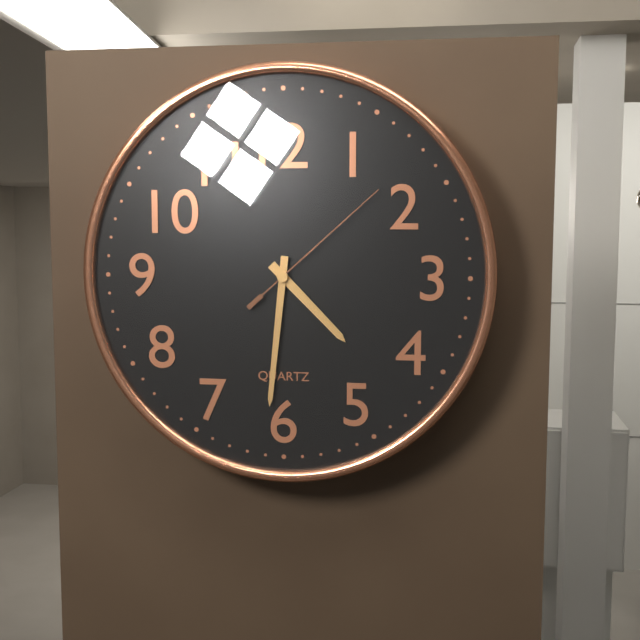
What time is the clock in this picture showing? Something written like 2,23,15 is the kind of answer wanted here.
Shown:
4,31,08
